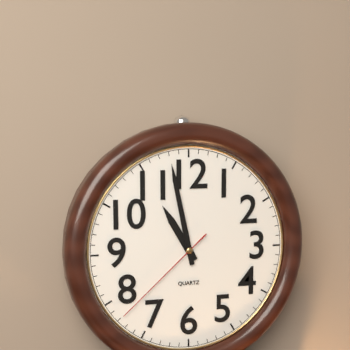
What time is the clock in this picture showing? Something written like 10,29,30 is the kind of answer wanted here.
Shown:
10,58,38
